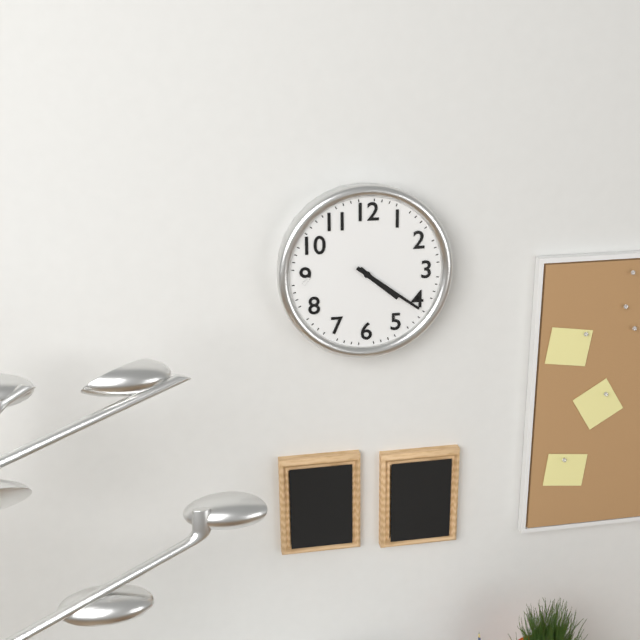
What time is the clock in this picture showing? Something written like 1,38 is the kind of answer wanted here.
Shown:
4,21
